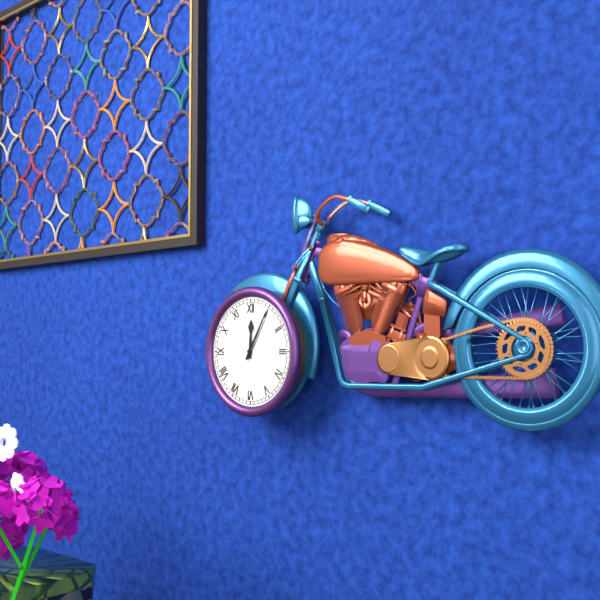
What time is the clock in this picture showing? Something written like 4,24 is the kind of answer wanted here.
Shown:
12,05
